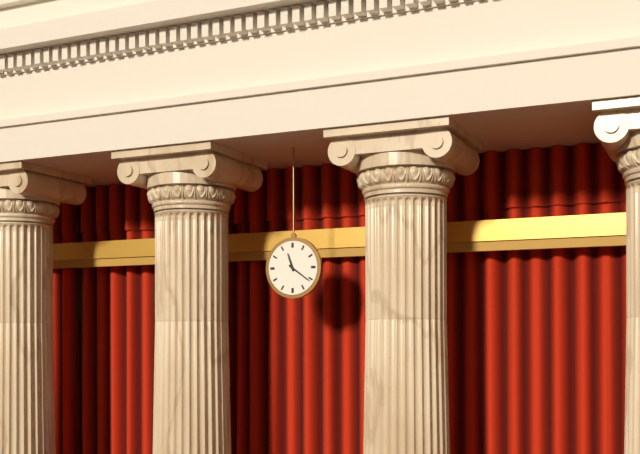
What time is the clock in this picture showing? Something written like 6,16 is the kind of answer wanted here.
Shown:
11,21
